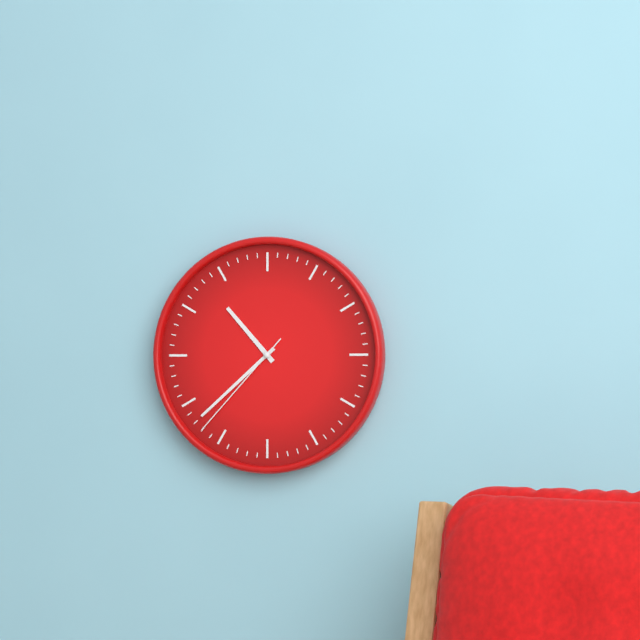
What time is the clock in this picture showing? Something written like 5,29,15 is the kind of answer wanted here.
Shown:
10,38,37
